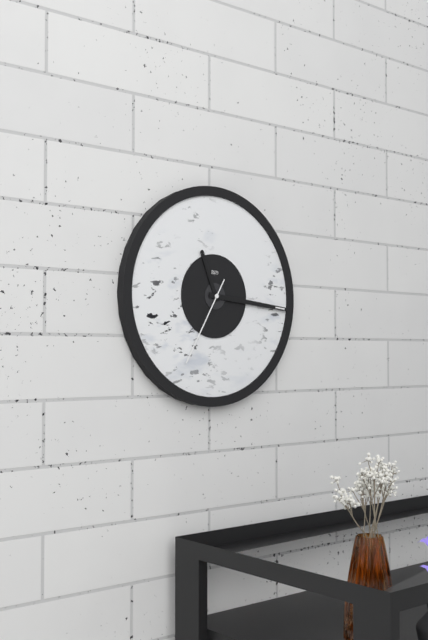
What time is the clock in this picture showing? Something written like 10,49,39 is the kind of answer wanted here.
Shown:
11,16,35
